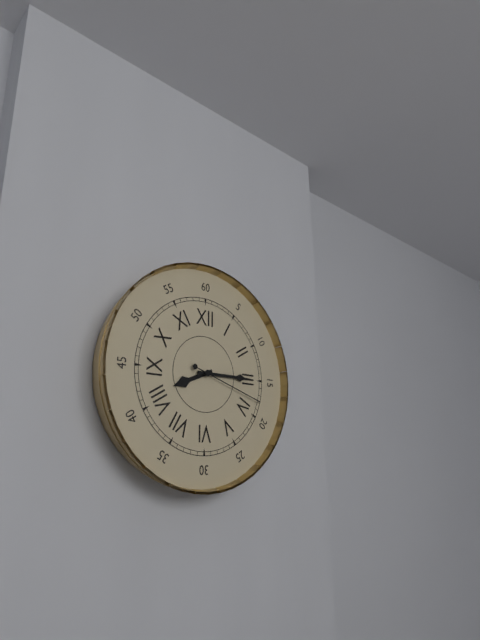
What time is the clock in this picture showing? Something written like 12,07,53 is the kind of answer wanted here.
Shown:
8,15,18
